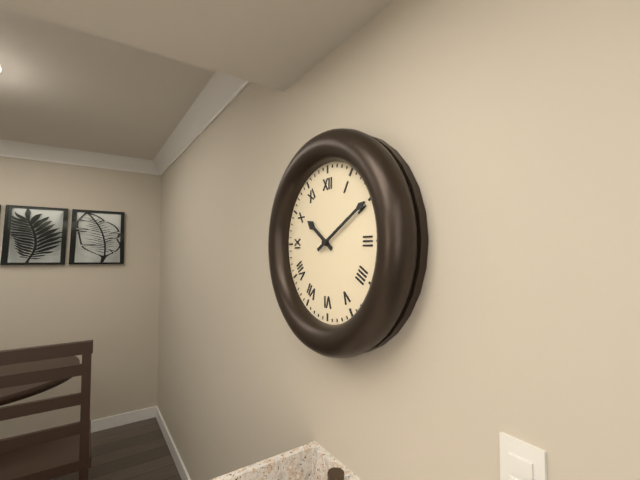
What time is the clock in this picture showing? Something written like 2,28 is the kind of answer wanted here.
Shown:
10,10
